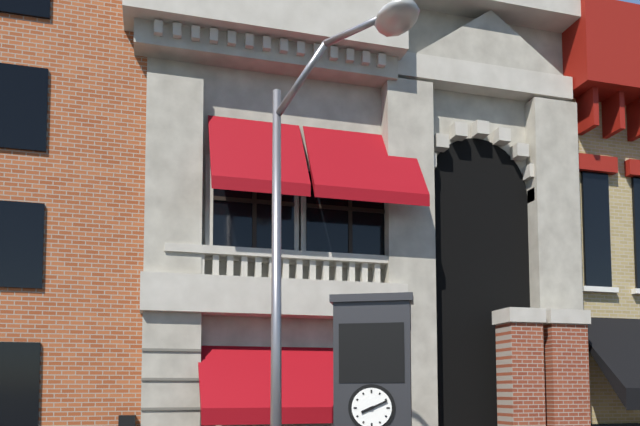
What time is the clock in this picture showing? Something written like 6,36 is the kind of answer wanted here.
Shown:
8,11
